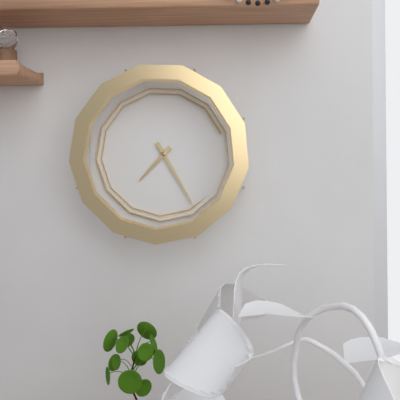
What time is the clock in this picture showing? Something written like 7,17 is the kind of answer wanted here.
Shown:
7,25
